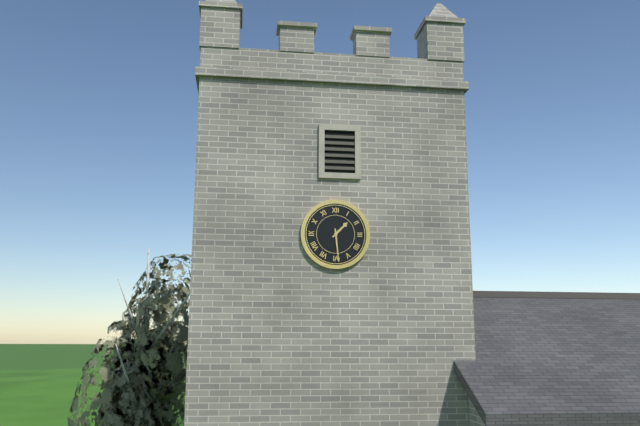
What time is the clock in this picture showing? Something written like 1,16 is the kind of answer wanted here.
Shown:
1,29
